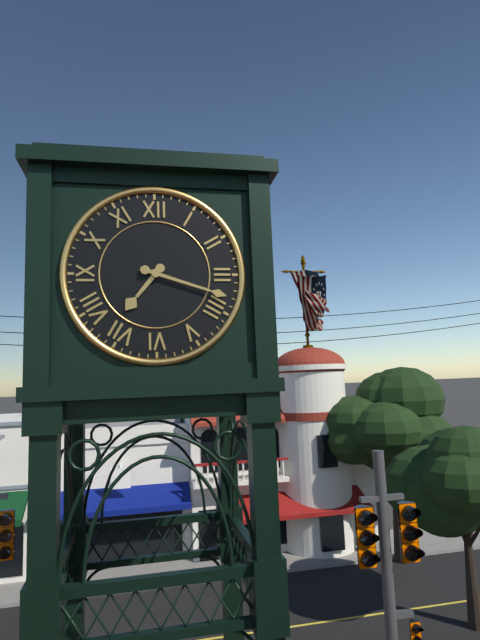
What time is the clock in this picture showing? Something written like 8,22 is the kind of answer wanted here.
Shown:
7,18
